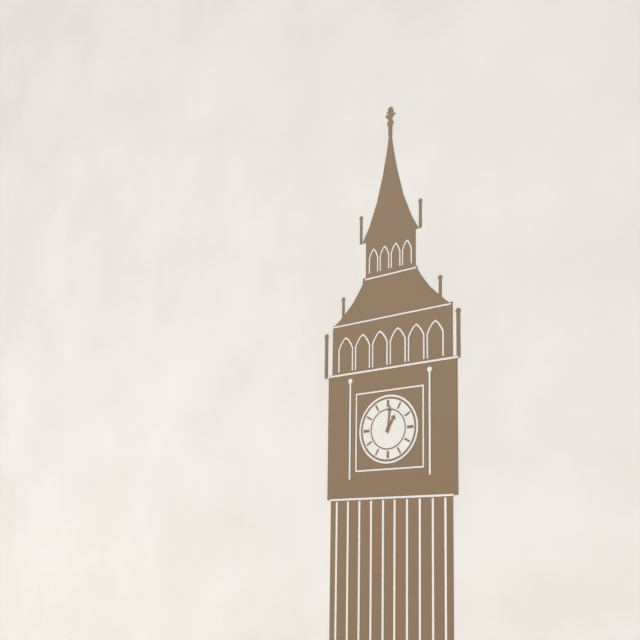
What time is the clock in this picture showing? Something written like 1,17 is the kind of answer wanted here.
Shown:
1,01
